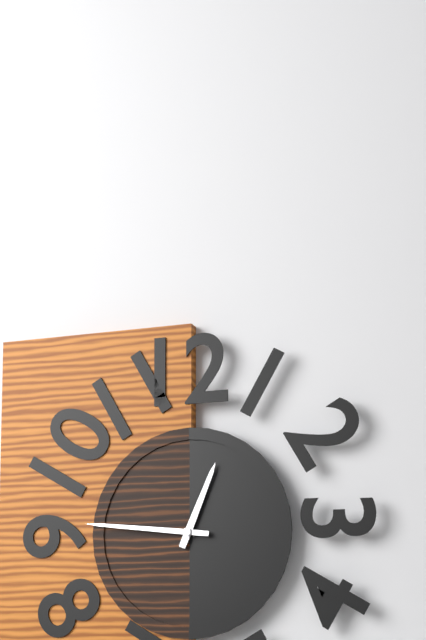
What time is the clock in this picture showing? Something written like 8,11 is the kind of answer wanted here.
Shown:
12,46
